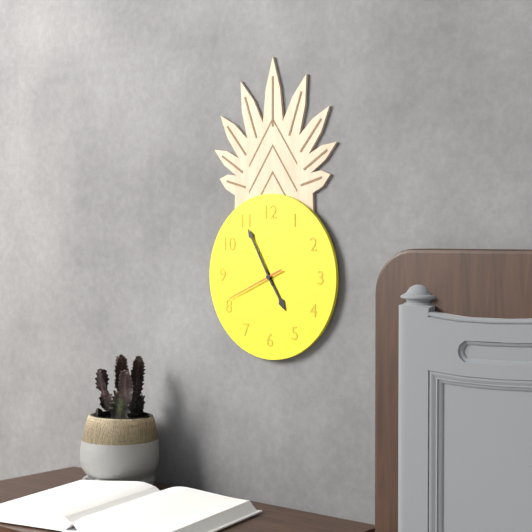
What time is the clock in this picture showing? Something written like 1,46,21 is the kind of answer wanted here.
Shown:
4,55,41
